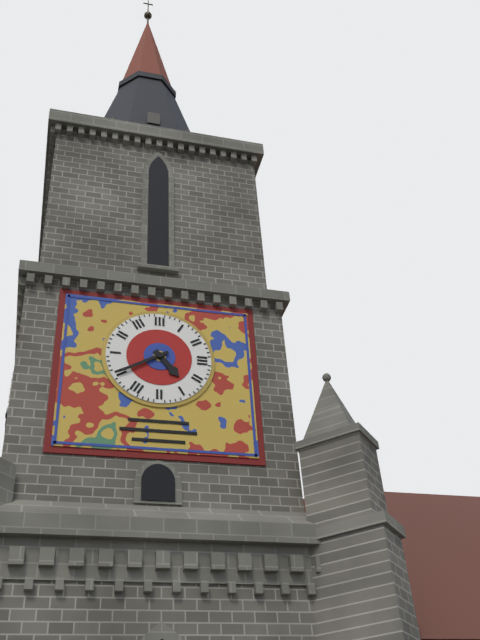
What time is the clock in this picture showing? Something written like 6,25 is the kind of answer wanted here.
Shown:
4,40
